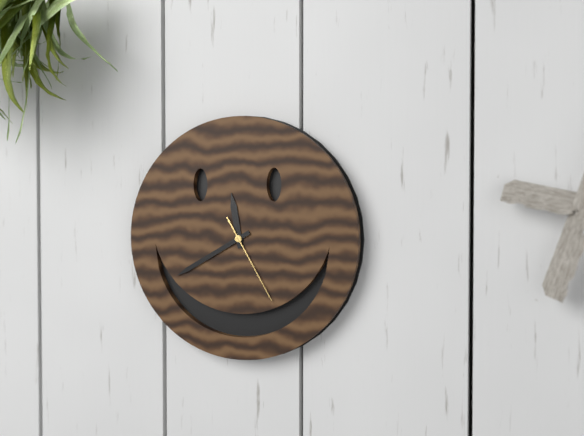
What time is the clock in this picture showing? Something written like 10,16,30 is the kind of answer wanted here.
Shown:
11,40,25
